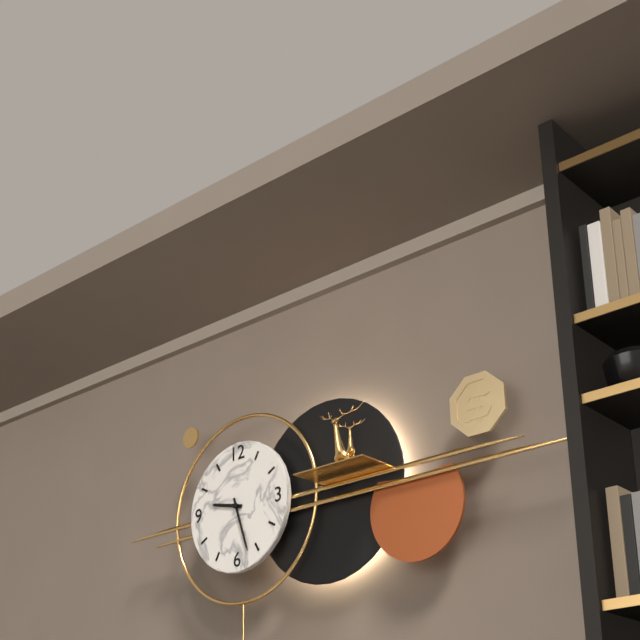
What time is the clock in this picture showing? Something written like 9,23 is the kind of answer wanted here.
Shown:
9,27
